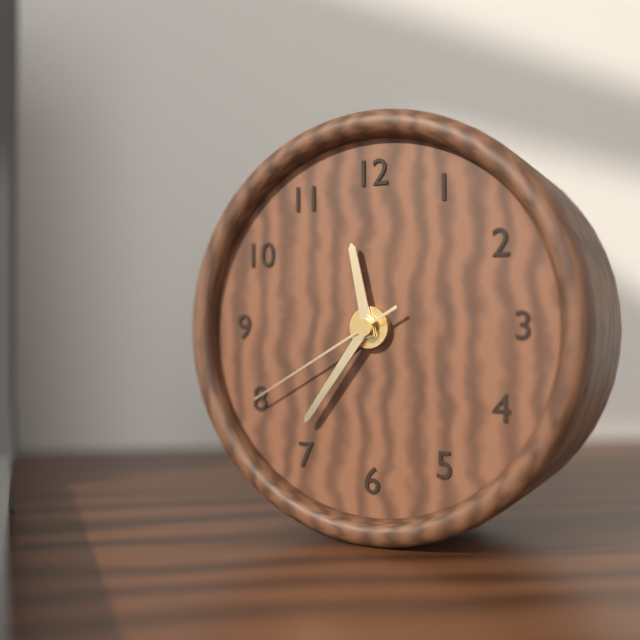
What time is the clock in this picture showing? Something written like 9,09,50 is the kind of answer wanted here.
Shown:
11,36,40
